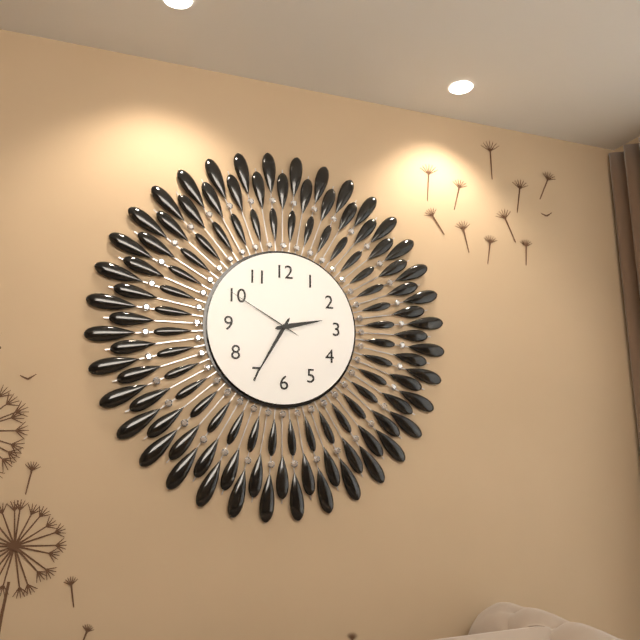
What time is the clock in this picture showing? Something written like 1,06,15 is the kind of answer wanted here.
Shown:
2,35,50
